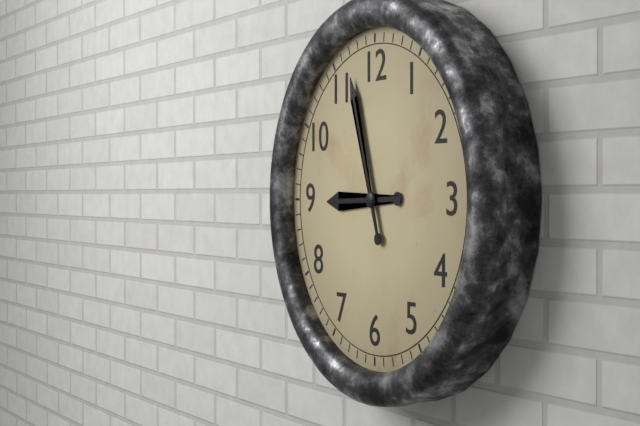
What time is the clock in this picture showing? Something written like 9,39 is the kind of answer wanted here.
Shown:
8,57
